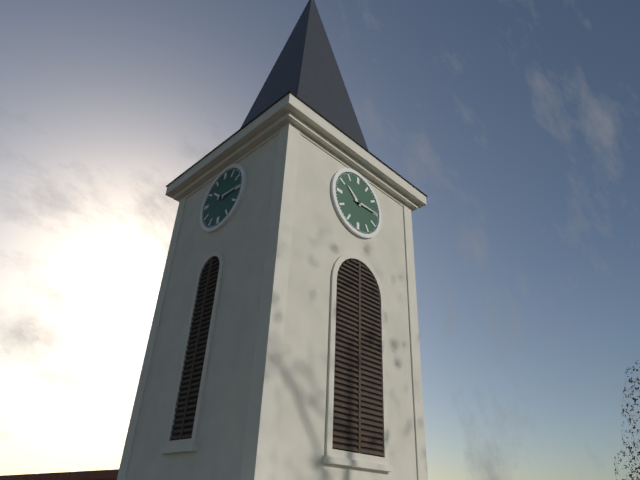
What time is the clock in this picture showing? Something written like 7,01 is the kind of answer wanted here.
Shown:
10,15
